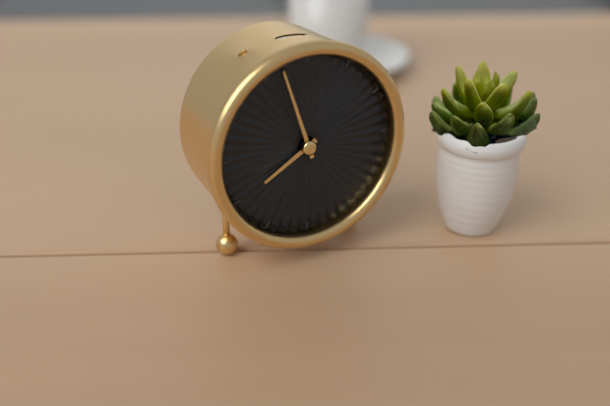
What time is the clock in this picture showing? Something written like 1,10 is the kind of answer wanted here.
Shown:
7,57
